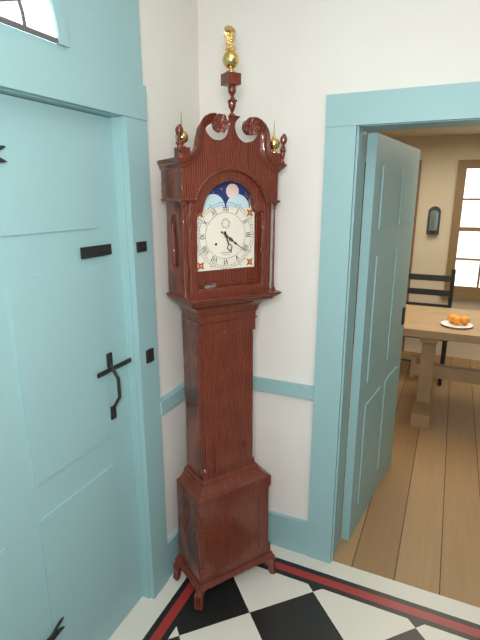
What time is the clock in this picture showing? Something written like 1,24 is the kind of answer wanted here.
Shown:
5,21
